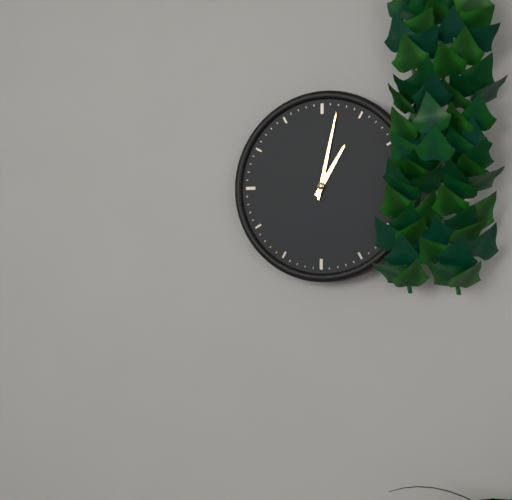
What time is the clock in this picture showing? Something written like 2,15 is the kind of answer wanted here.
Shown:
1,02
